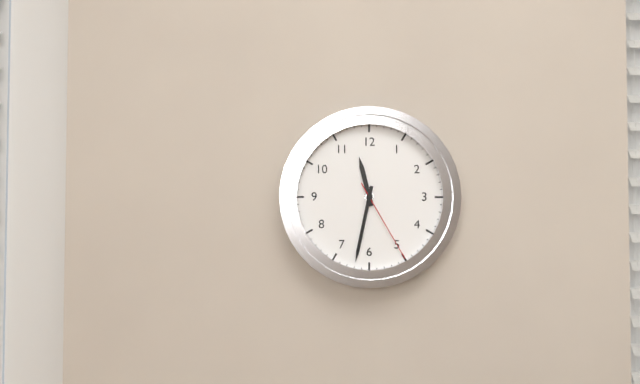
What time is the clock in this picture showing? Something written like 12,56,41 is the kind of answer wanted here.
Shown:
11,32,25
